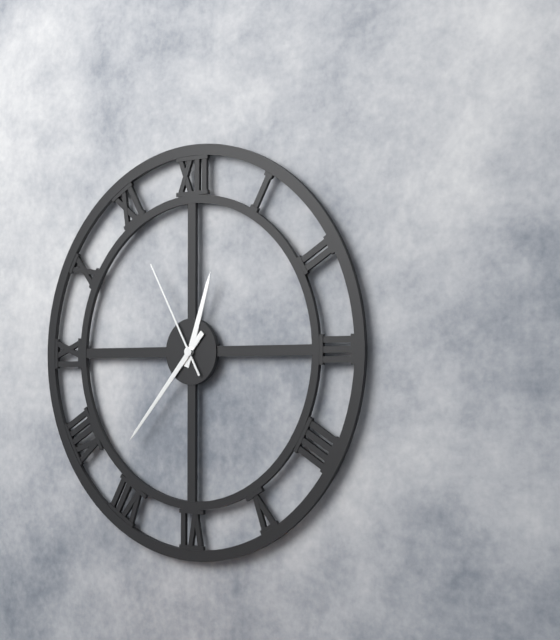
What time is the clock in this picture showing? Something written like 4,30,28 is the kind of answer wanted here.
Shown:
12,37,55
